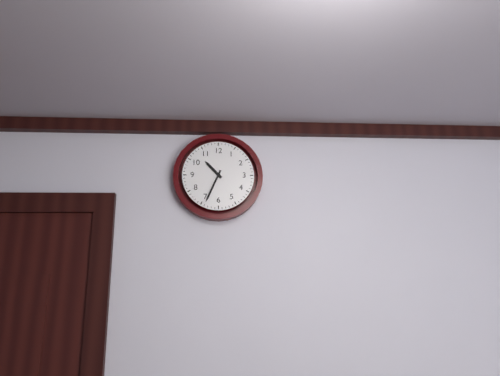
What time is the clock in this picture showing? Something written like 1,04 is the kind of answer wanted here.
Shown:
10,34
